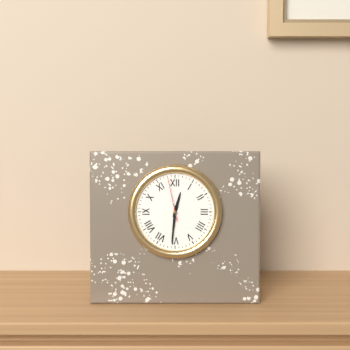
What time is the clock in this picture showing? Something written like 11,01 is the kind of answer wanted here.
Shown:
12,31
